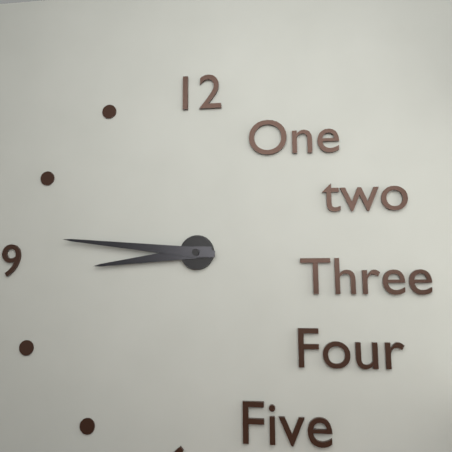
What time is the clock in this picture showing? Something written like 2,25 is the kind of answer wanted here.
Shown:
8,46
